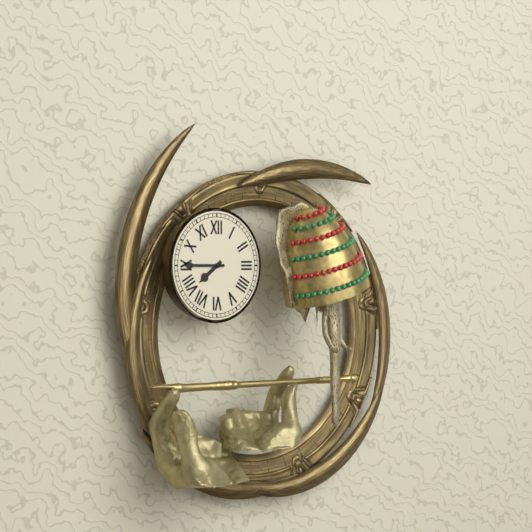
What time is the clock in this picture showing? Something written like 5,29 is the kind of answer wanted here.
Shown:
7,45
